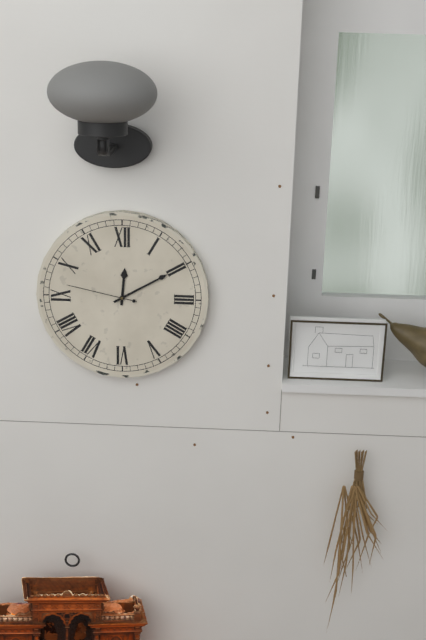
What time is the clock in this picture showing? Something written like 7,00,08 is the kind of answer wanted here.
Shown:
12,10,47
